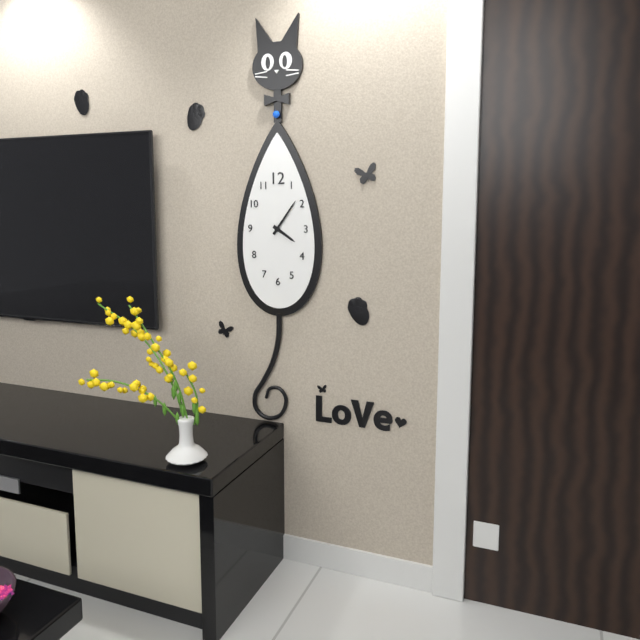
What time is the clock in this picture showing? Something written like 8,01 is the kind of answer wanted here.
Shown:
4,06
